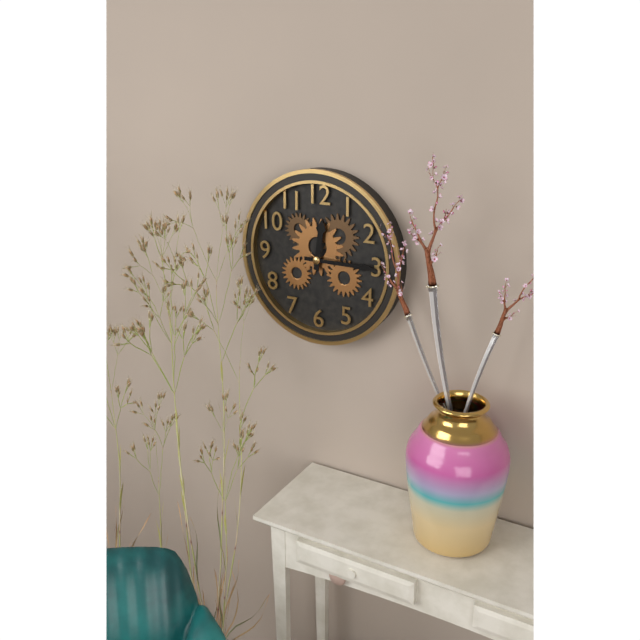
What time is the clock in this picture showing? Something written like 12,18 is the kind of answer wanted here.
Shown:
12,15
